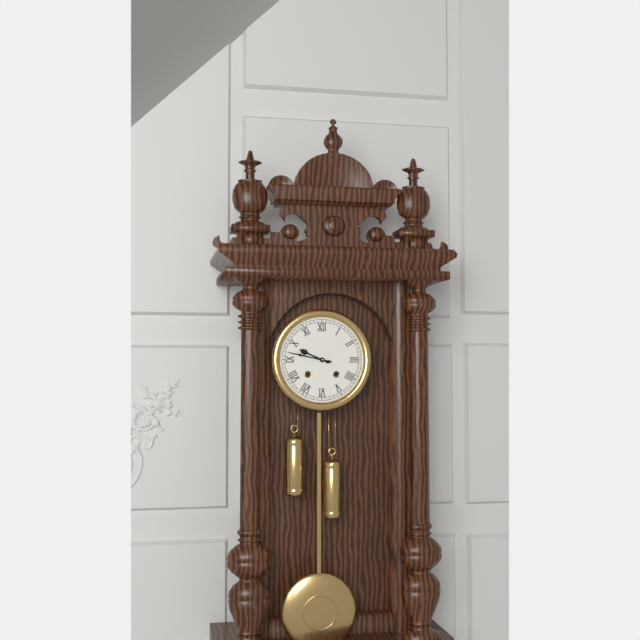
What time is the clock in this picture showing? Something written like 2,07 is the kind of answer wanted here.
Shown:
9,47
